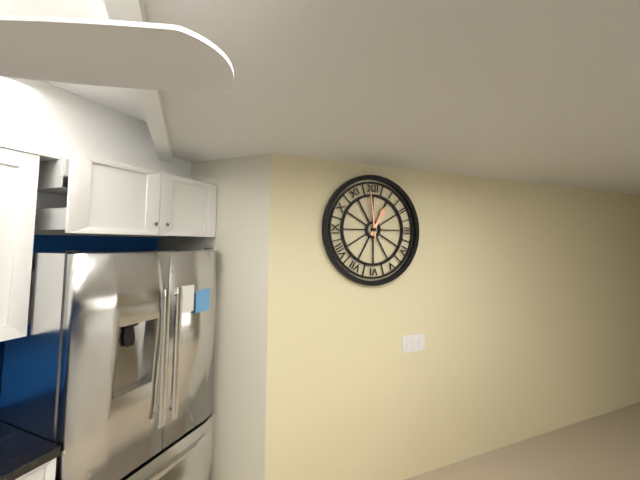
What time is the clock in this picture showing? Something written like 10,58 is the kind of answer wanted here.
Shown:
12,59
